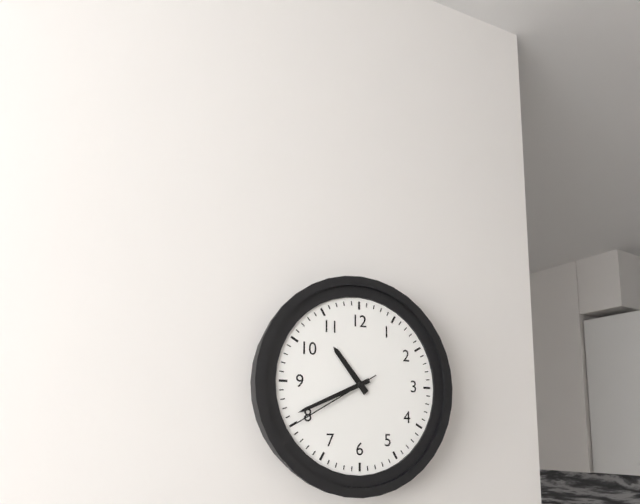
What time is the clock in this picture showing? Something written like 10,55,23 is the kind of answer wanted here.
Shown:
10,41,40
